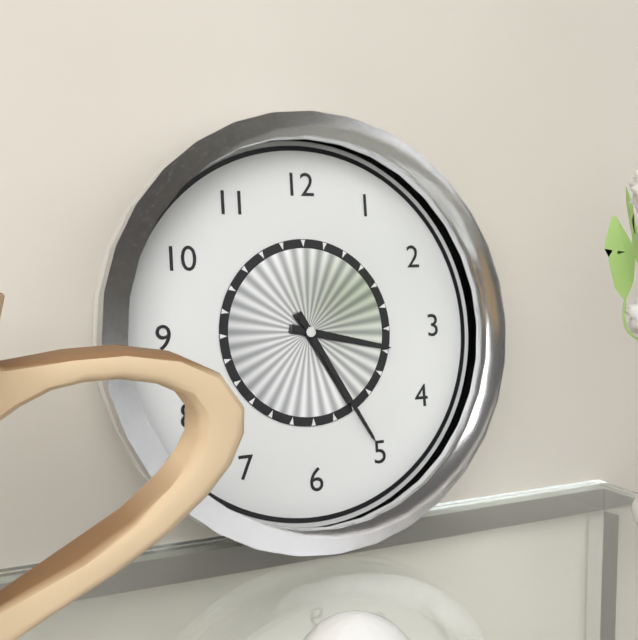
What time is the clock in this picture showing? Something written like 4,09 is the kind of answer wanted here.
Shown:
3,25
